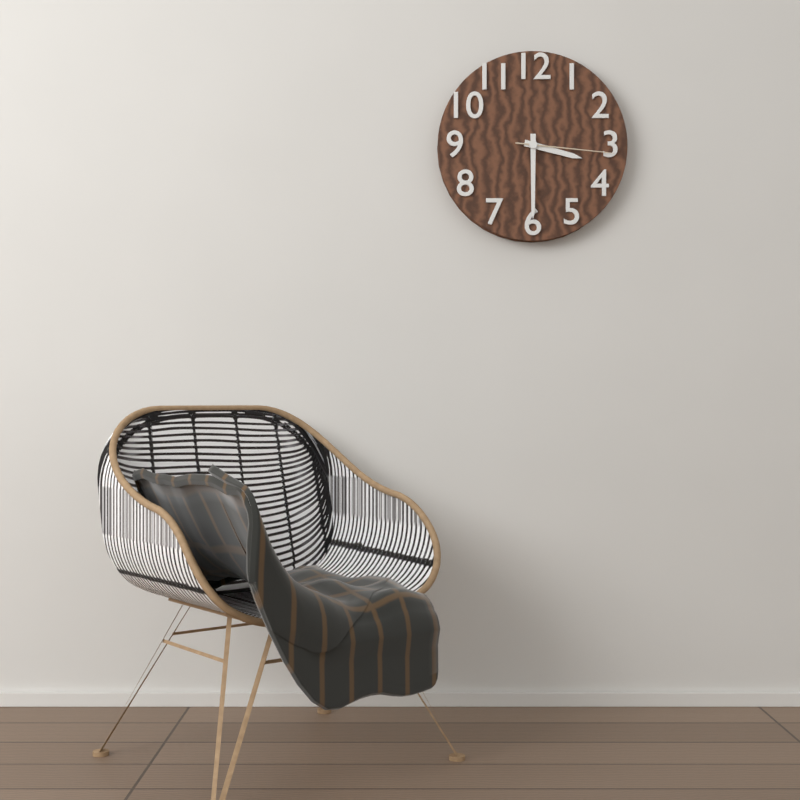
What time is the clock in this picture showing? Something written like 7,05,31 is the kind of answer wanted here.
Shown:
3,30,16
